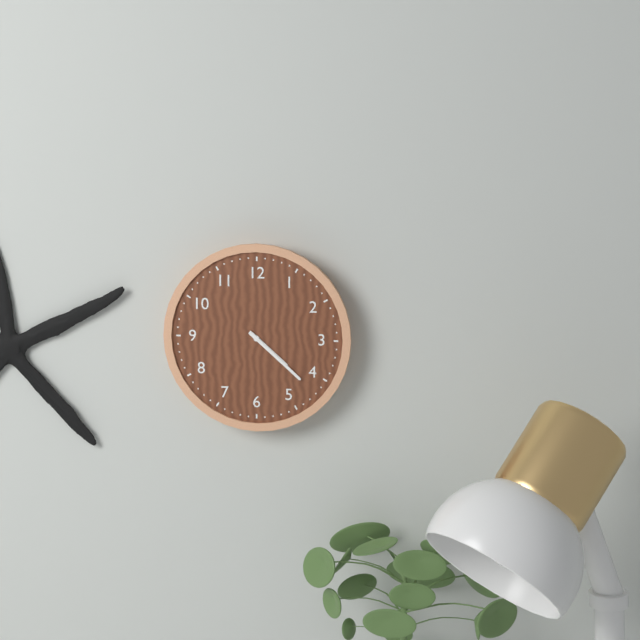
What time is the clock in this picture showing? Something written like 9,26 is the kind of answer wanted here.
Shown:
4,22
